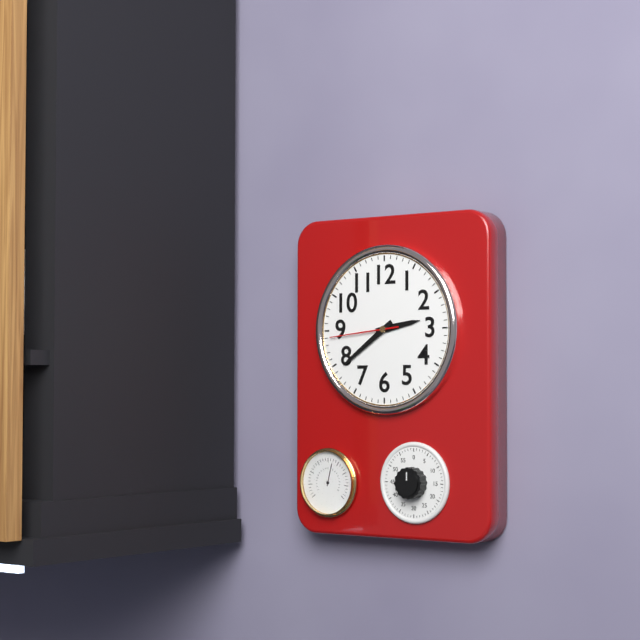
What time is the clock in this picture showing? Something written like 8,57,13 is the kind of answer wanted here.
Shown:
2,39,44
